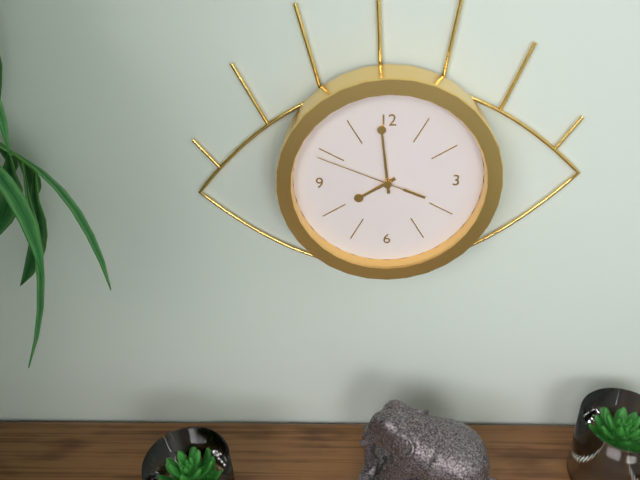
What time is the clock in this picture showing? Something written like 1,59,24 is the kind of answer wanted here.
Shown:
7,59,49
